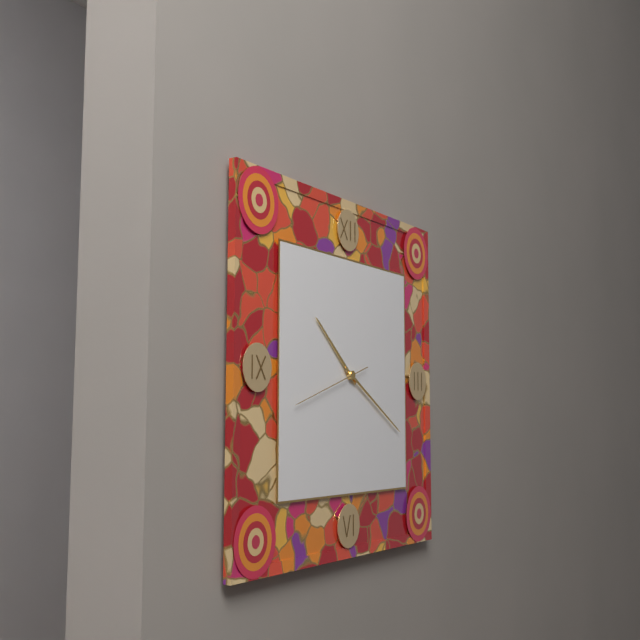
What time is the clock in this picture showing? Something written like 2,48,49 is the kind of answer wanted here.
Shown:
10,20,42
